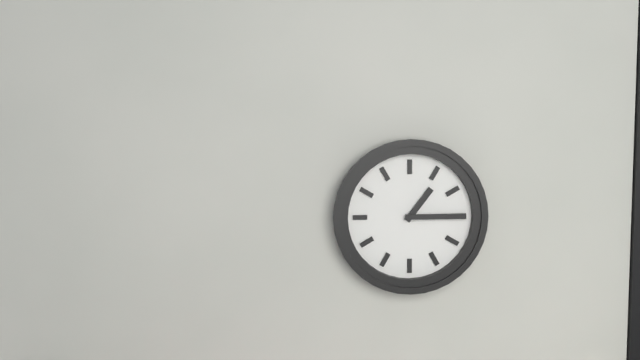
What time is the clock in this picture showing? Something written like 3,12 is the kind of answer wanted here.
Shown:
1,15
